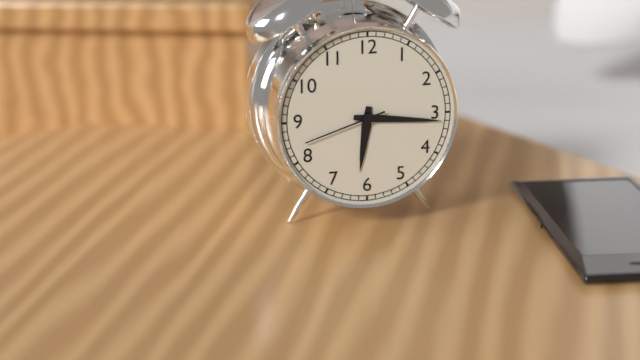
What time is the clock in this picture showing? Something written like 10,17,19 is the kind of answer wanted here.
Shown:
6,16,42
